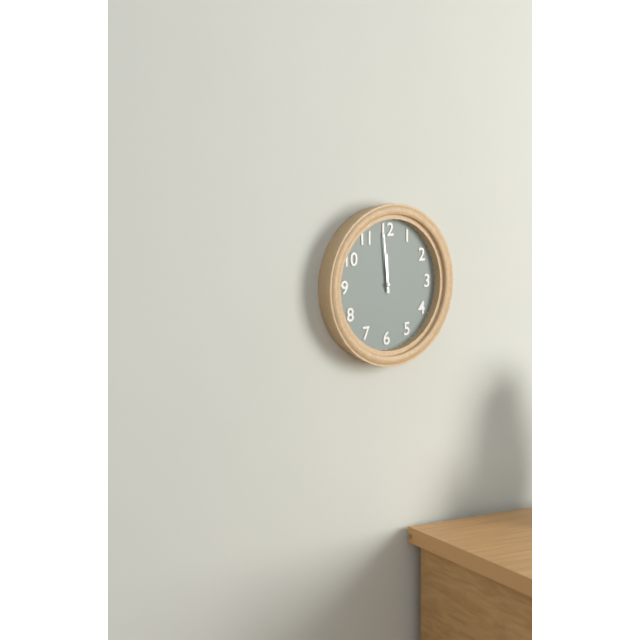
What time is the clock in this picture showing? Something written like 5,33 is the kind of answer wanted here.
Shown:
11,59
